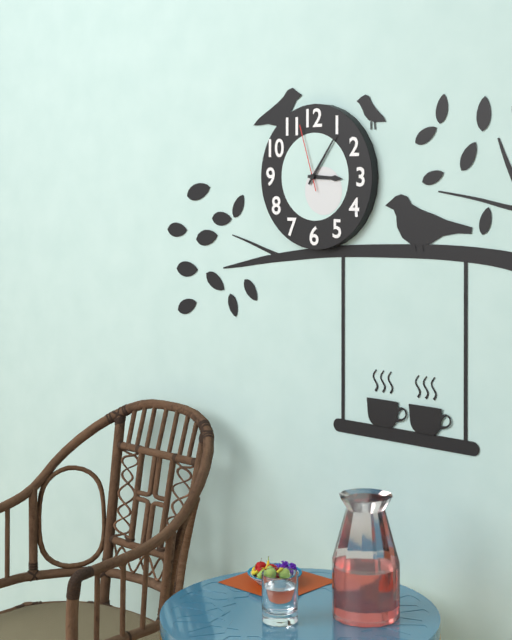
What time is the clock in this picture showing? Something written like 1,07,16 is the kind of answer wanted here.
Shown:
3,06,57
